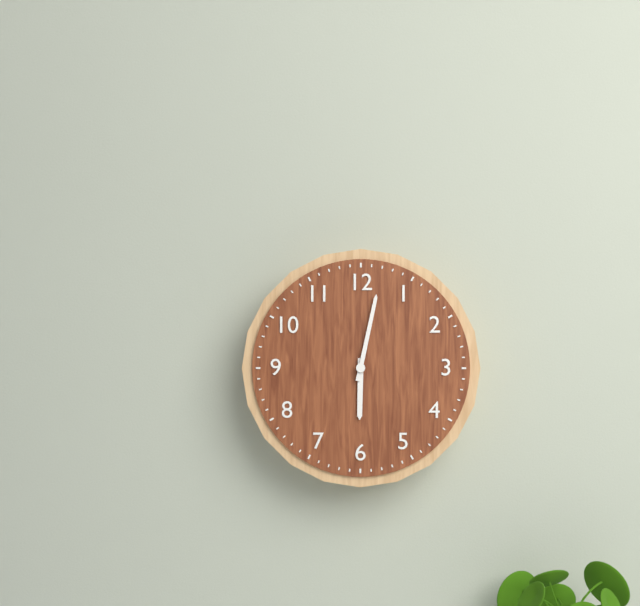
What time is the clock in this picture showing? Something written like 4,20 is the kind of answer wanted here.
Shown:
6,02
